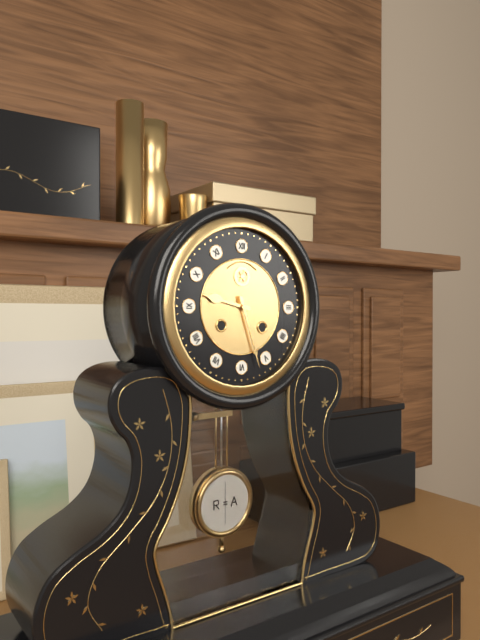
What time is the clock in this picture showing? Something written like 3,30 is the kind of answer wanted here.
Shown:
9,27
